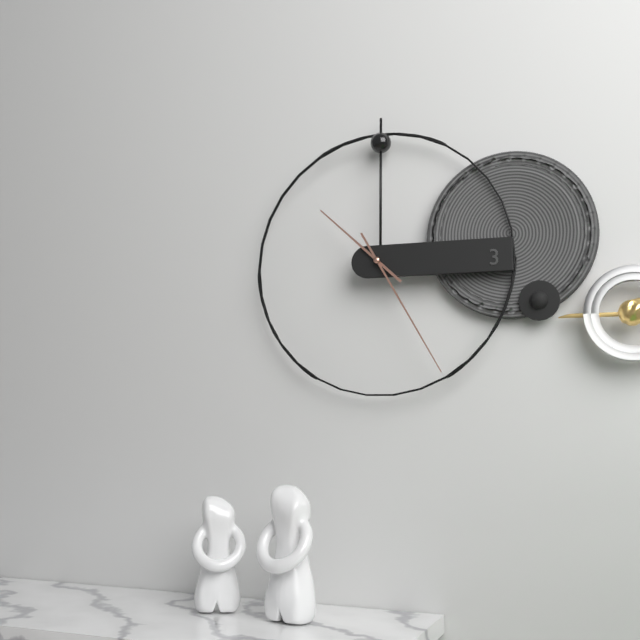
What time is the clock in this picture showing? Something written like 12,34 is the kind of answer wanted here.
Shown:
10,25
